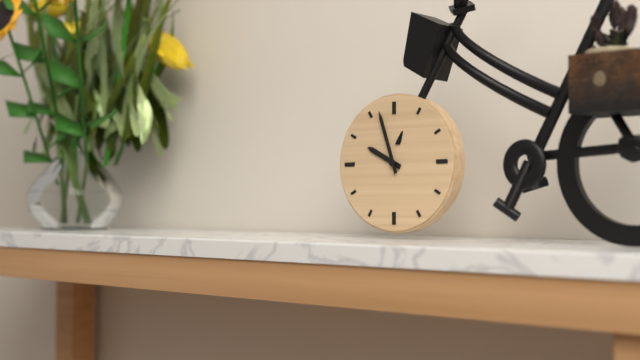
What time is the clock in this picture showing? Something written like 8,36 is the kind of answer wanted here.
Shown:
9,57
